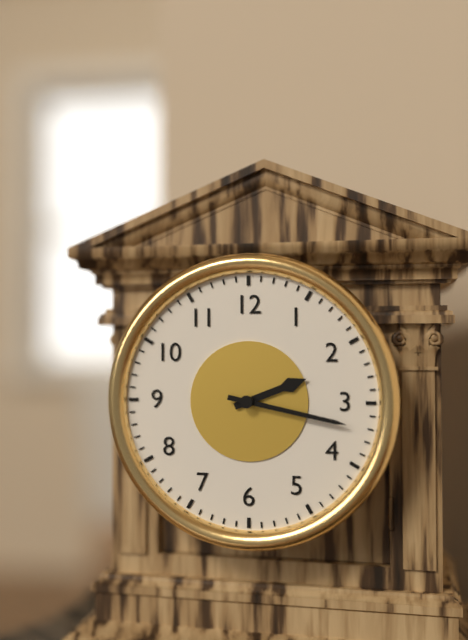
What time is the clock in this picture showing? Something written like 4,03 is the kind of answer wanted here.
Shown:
2,17
